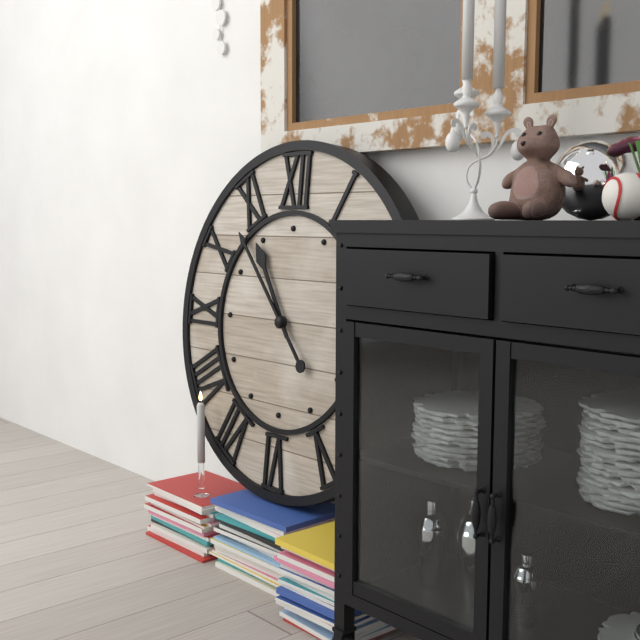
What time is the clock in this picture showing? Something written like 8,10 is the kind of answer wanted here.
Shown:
10,53
